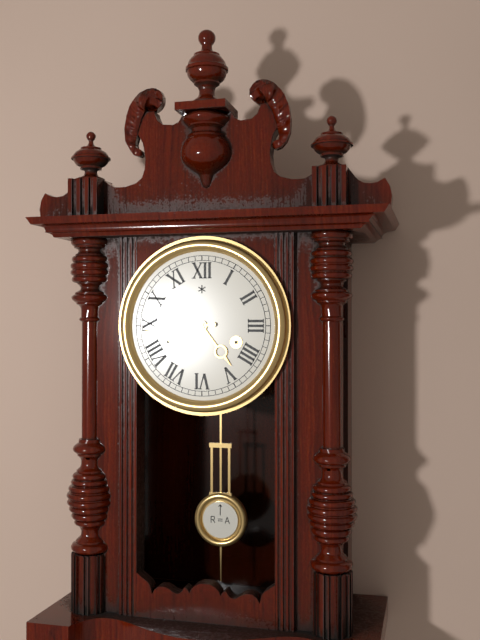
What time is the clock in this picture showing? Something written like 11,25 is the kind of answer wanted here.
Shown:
4,44
